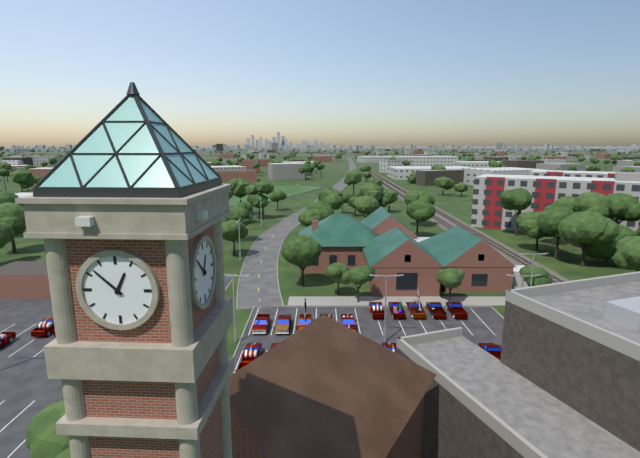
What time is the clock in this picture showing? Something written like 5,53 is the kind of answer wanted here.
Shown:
12,52
